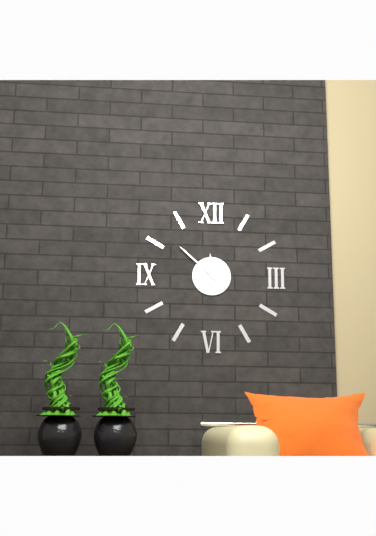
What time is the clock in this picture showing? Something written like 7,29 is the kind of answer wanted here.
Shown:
11,52
